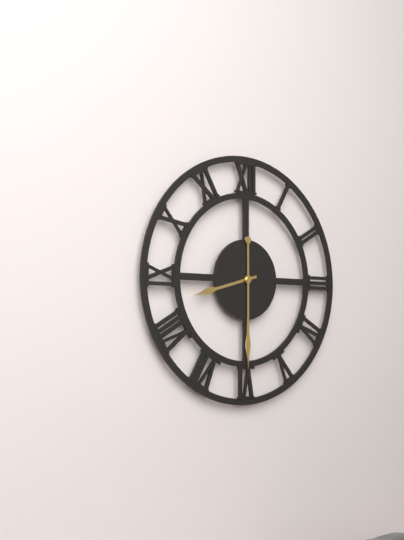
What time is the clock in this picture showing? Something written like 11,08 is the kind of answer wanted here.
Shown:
8,30
